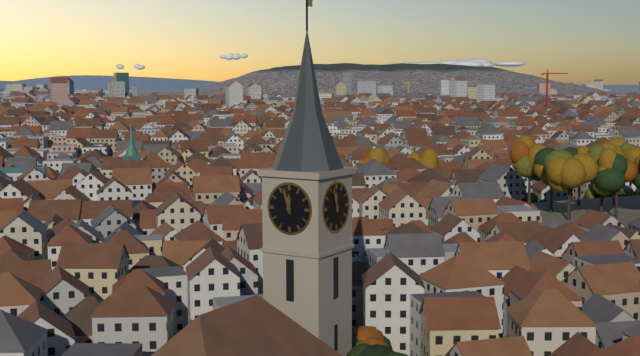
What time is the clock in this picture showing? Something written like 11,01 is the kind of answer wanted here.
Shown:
11,57
